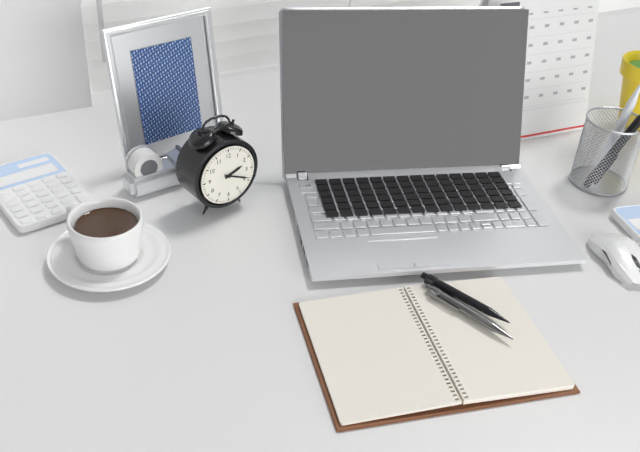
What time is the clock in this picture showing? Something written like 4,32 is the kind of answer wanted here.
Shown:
2,19
